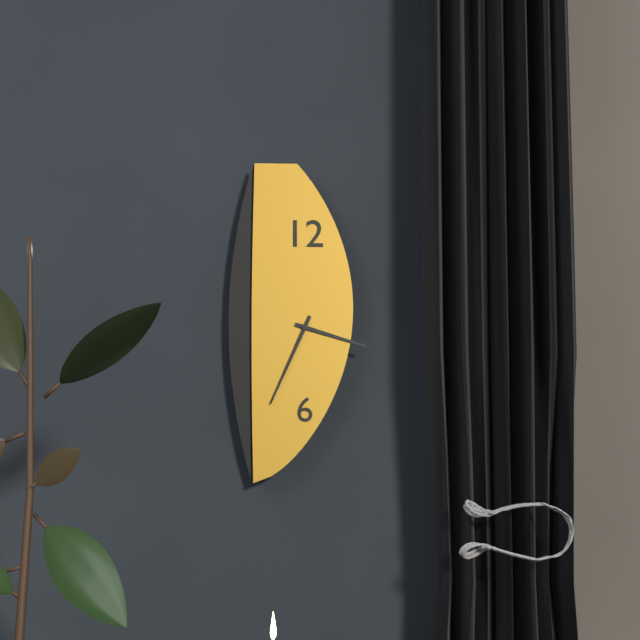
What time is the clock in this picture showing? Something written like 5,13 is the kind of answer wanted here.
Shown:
3,34
